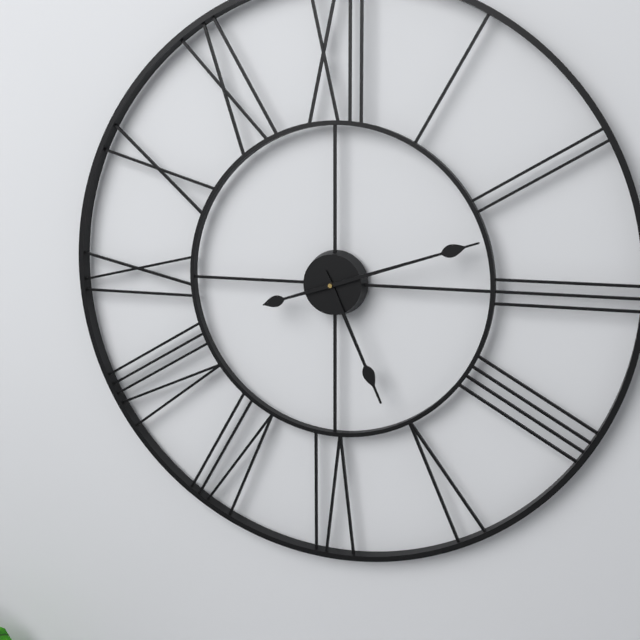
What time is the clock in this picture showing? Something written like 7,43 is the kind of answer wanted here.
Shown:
5,12
